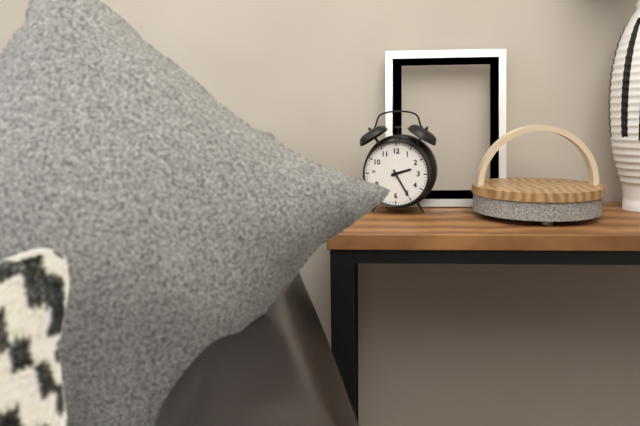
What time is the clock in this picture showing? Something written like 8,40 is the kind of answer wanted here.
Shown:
2,25
